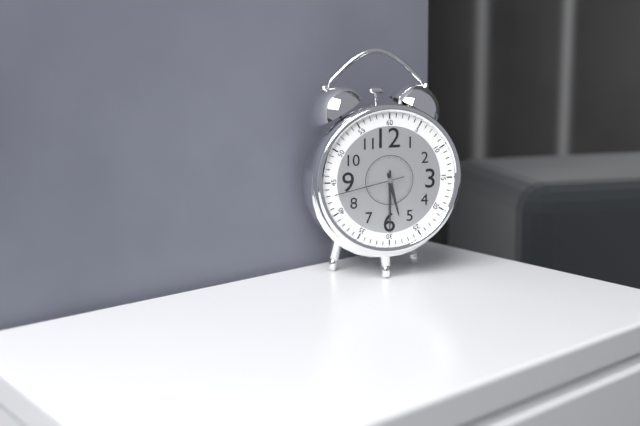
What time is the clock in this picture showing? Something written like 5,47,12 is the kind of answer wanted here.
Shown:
5,30,43
